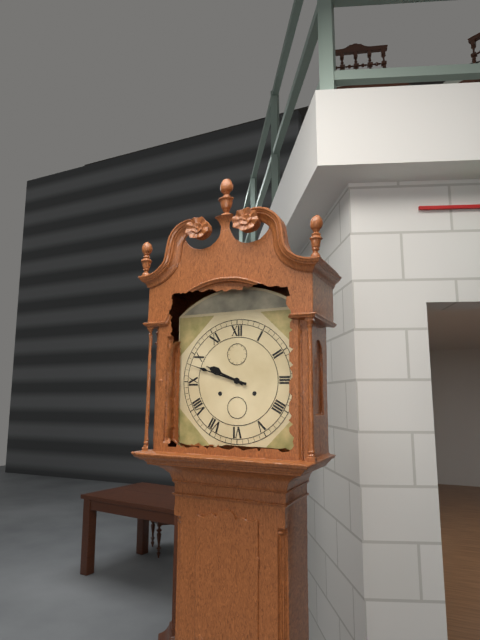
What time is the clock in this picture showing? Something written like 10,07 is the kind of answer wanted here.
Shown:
9,48
